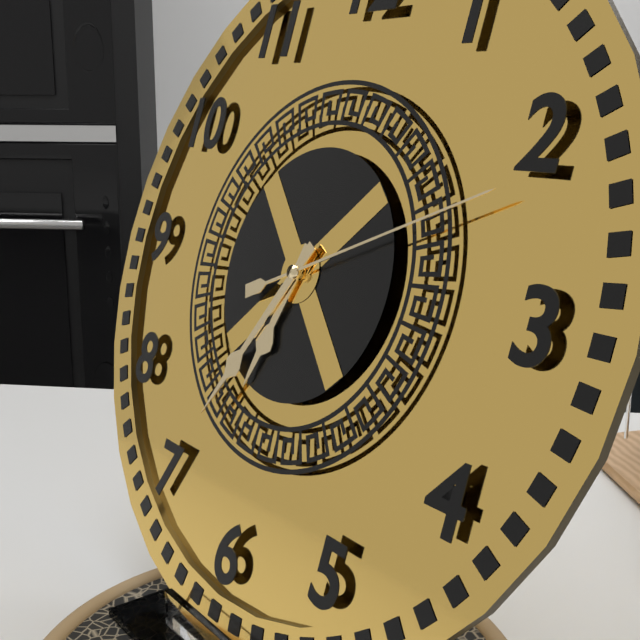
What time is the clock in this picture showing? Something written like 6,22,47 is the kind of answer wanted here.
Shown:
6,35,11
